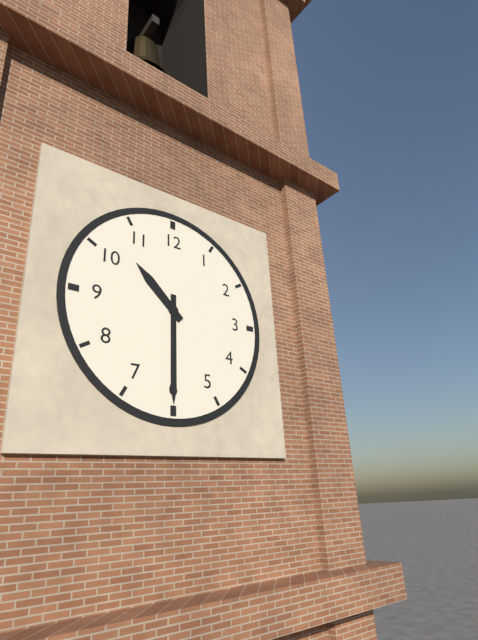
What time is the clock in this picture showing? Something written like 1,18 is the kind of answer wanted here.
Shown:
10,30
